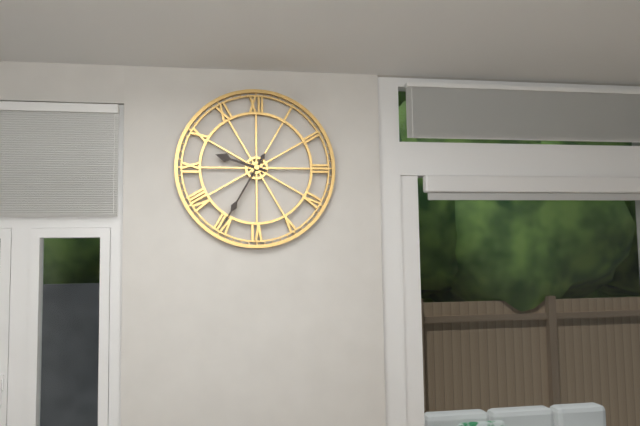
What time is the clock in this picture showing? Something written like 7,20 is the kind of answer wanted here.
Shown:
9,35
